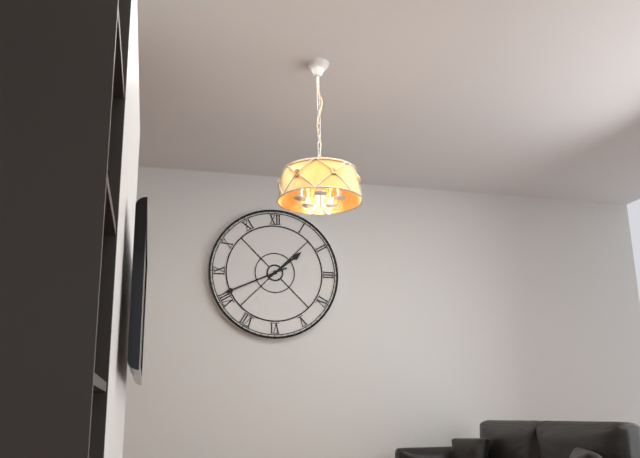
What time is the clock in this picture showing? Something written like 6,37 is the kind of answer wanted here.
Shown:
1,41
